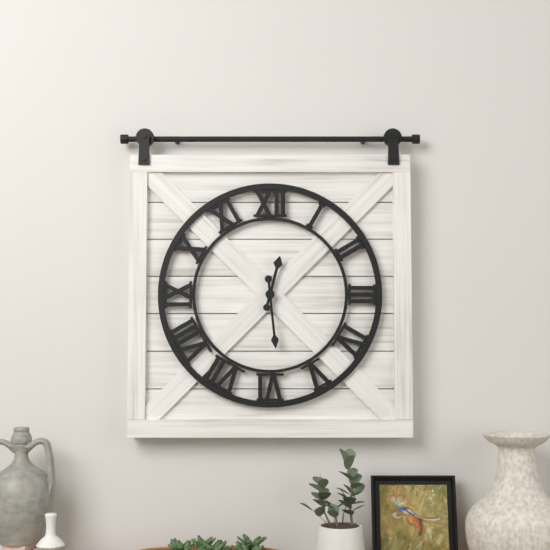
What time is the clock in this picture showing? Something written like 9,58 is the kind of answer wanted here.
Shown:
12,29
